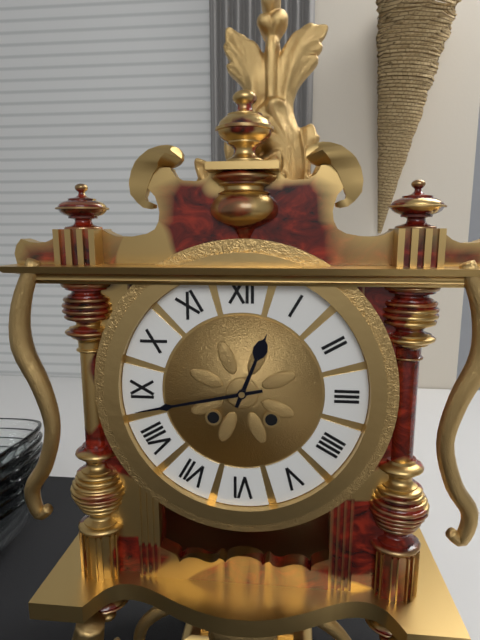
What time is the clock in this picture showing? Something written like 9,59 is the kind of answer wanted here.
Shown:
12,43
